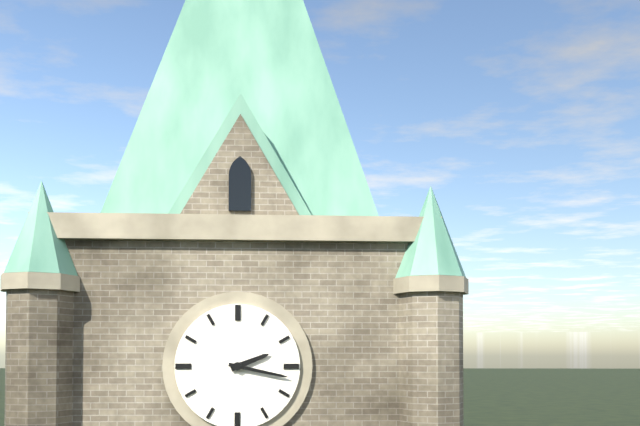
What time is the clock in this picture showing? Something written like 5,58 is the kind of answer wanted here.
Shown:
2,17
